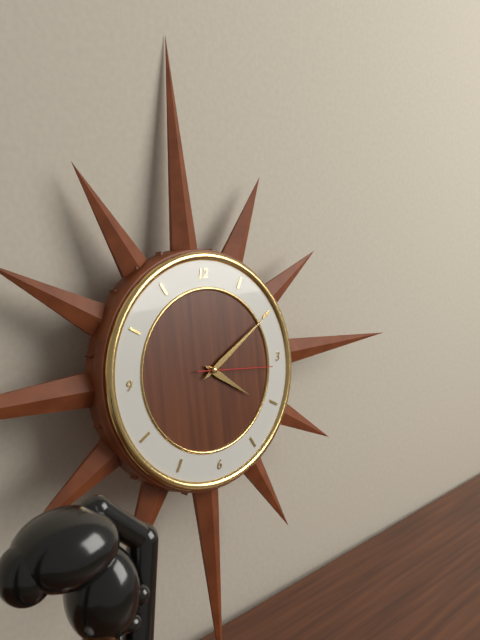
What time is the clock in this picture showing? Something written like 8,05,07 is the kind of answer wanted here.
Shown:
4,10,16
